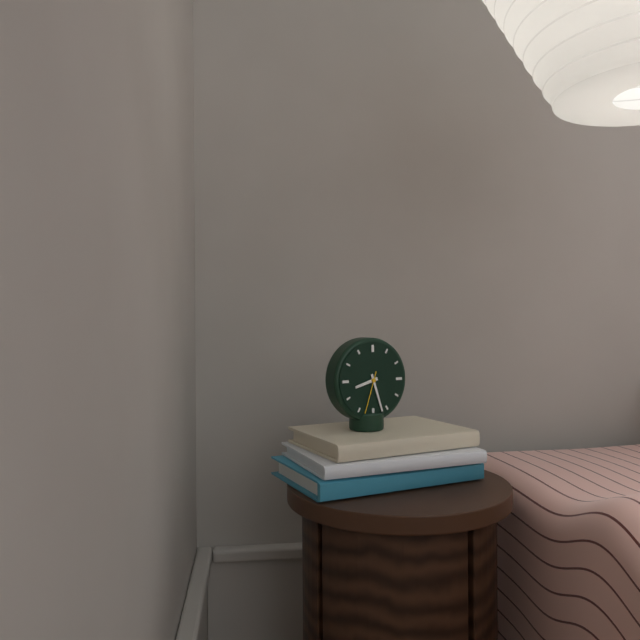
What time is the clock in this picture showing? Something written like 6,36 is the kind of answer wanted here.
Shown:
8,27
